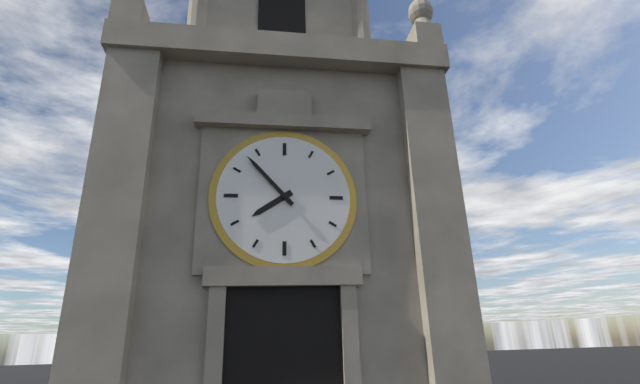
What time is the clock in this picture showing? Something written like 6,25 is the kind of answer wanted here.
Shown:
7,53
